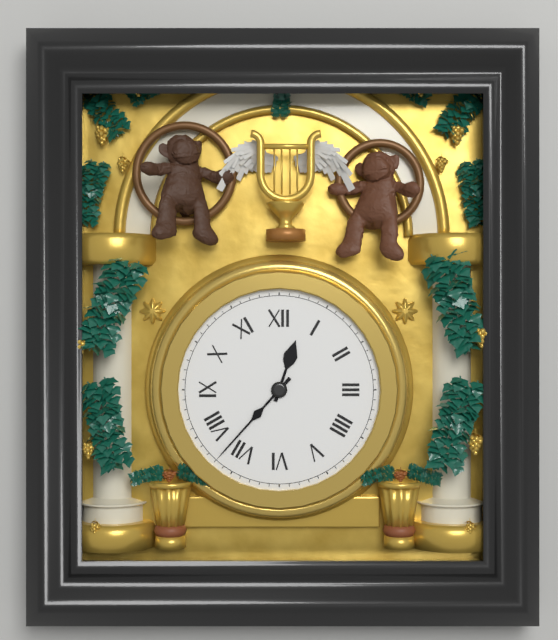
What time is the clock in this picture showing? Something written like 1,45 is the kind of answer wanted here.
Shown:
12,37
